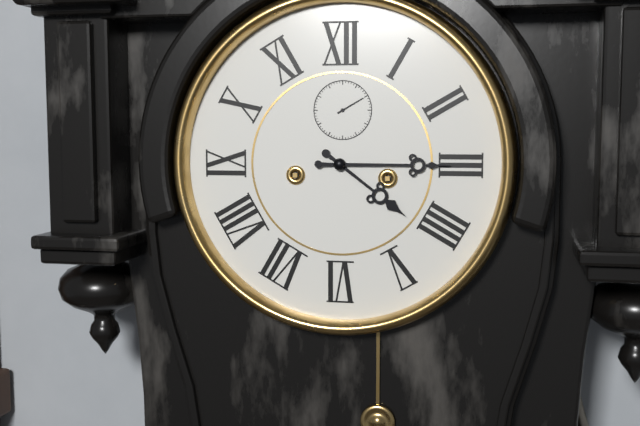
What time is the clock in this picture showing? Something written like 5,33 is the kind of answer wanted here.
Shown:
4,15
